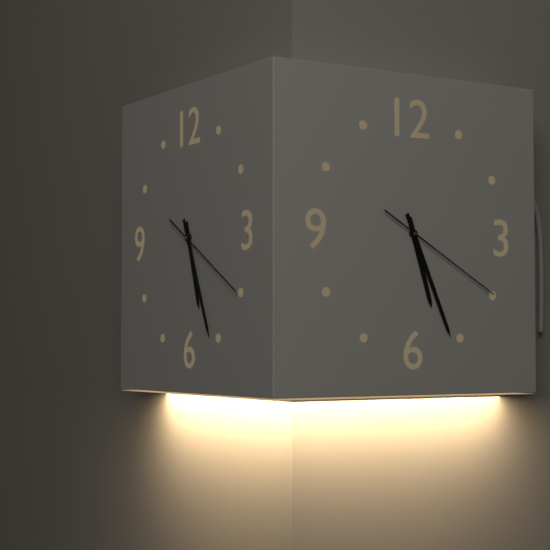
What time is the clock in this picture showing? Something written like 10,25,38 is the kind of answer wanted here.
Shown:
5,26,20
